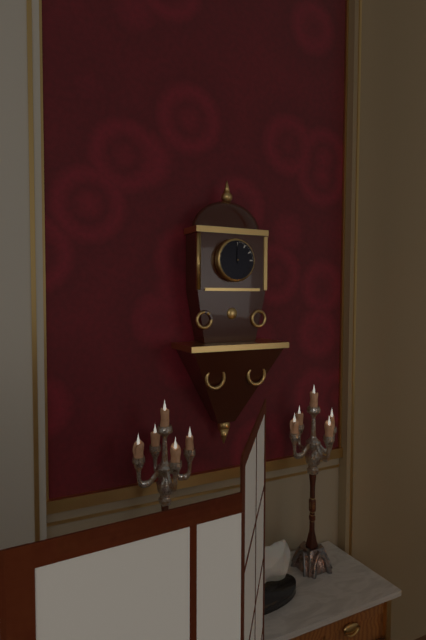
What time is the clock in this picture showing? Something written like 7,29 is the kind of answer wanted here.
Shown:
12,00
